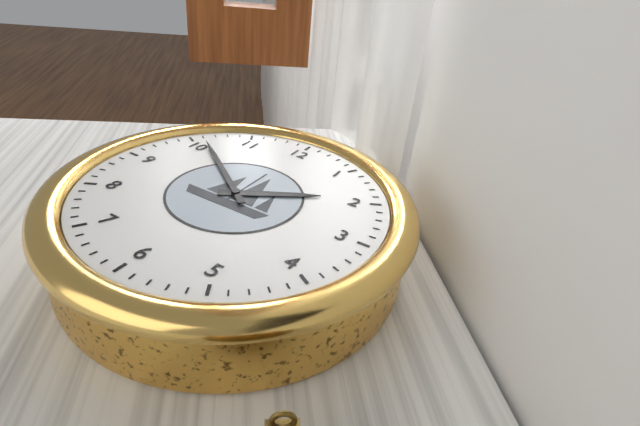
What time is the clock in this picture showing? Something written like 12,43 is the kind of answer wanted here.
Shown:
1,51
